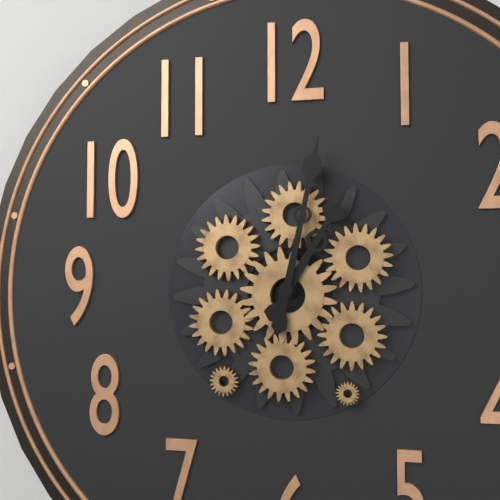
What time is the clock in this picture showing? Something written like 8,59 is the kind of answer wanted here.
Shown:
1,02
